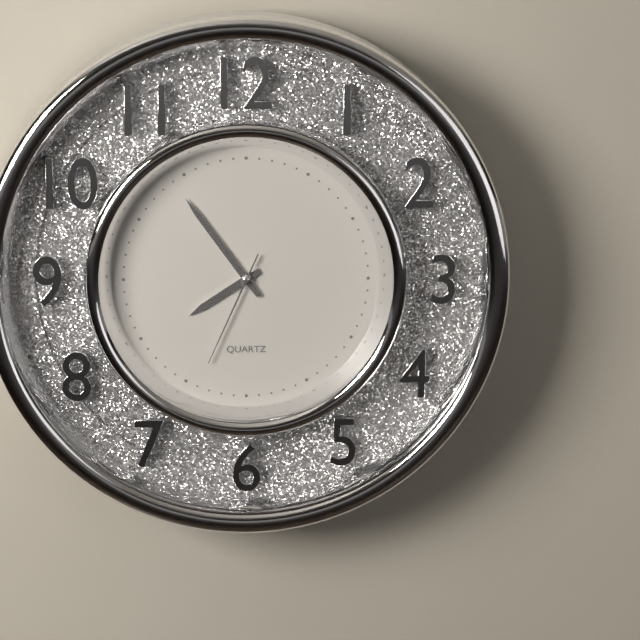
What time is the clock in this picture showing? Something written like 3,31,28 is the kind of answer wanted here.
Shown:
7,54,34
